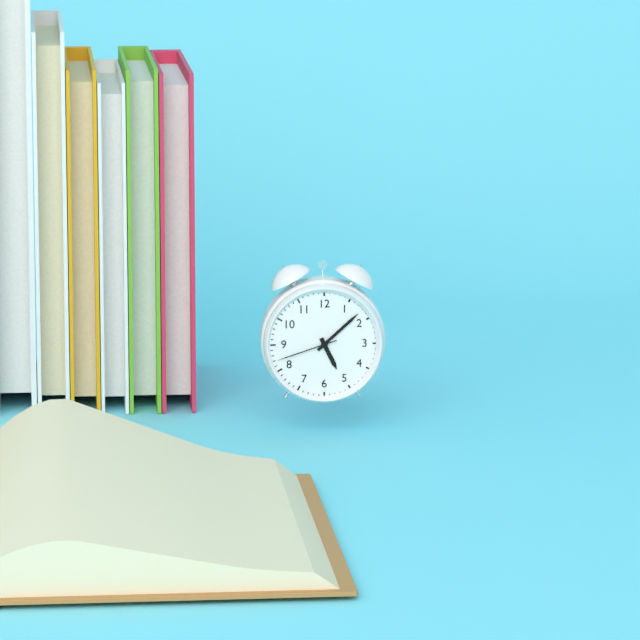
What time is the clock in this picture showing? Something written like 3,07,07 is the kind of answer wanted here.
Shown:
5,08,42
